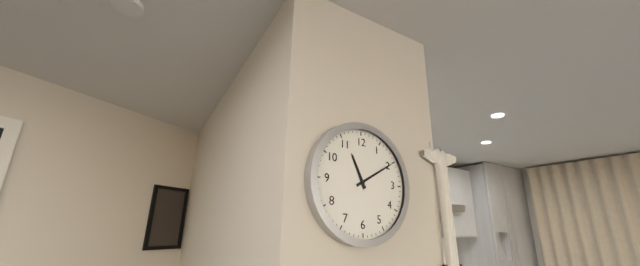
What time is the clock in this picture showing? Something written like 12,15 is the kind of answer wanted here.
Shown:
11,10
